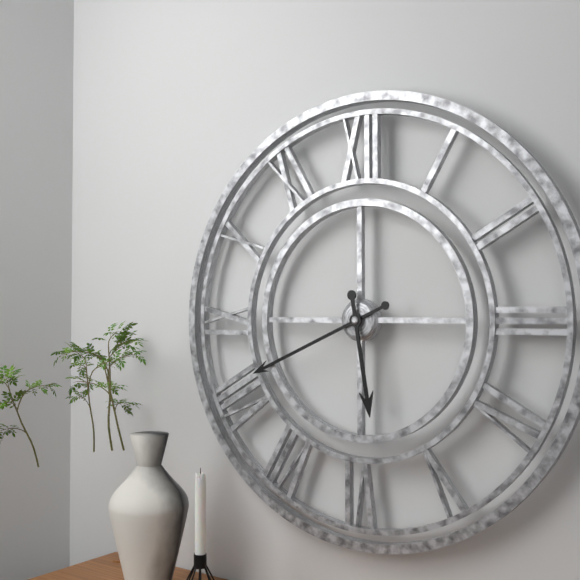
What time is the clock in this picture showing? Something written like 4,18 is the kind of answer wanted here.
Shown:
5,41
